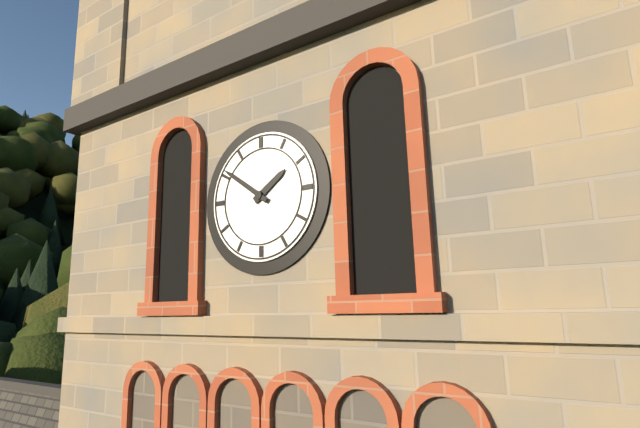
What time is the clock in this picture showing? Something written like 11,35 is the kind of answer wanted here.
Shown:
1,51
